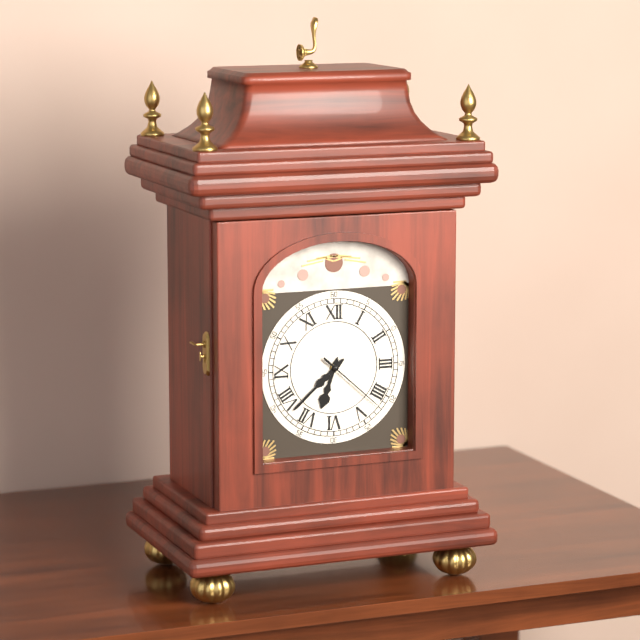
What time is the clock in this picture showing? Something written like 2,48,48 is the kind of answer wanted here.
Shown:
6,38,22
